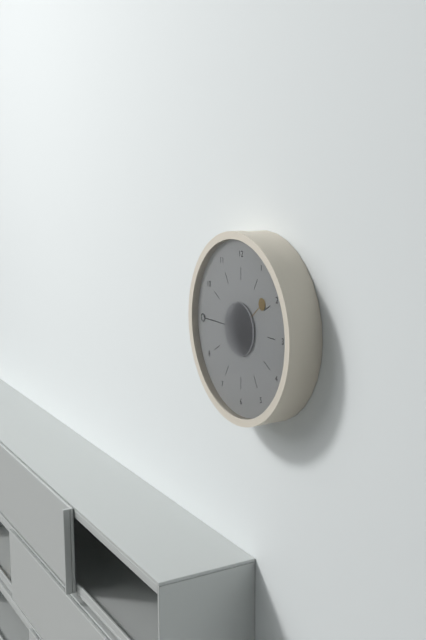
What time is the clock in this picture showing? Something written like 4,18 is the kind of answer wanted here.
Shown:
1,45
